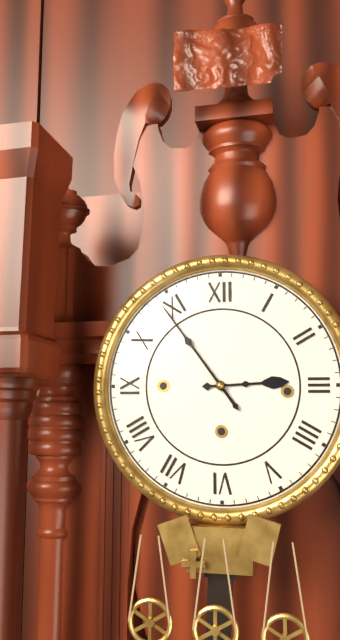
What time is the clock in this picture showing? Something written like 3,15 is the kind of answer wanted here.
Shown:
2,54
